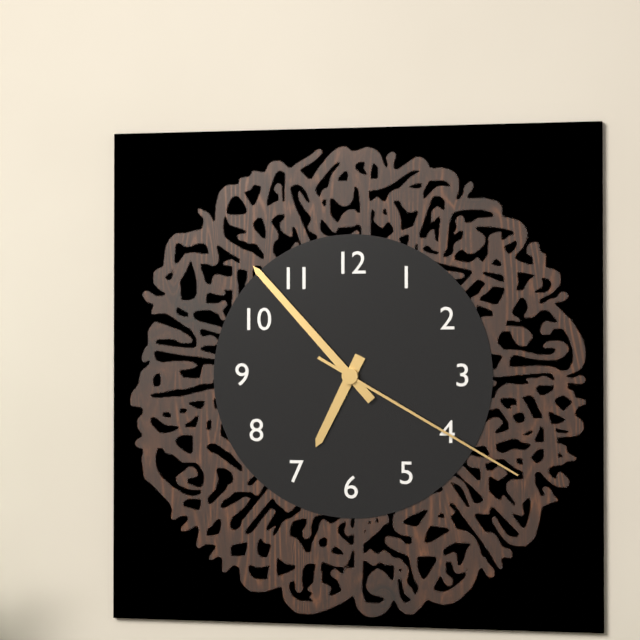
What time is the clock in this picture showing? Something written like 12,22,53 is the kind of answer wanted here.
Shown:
6,53,20
